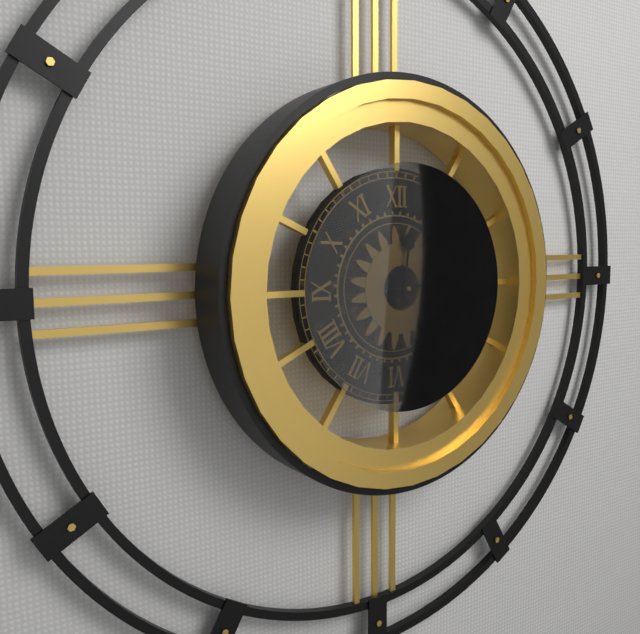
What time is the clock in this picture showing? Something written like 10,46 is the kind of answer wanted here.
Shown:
12,14
